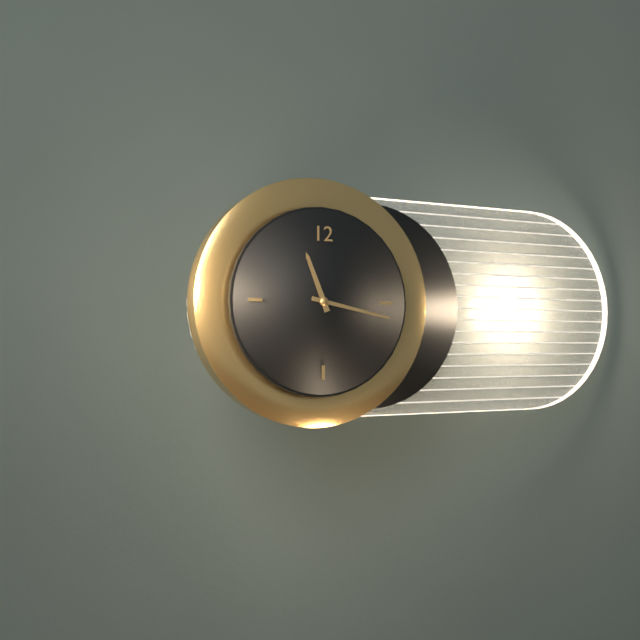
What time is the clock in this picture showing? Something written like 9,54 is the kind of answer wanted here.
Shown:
11,17
